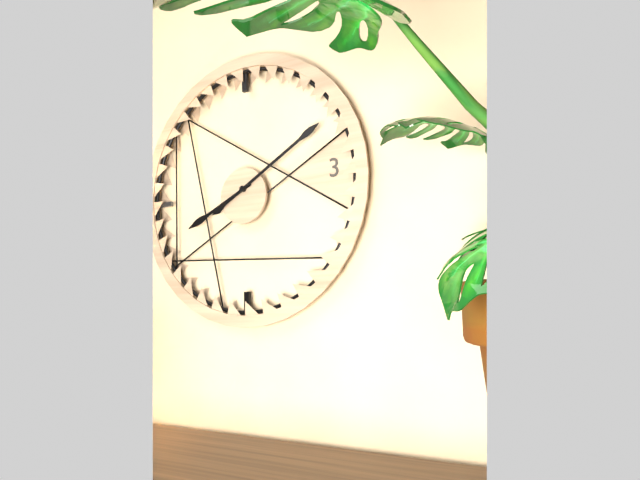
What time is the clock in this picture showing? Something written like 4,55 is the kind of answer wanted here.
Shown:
8,10
